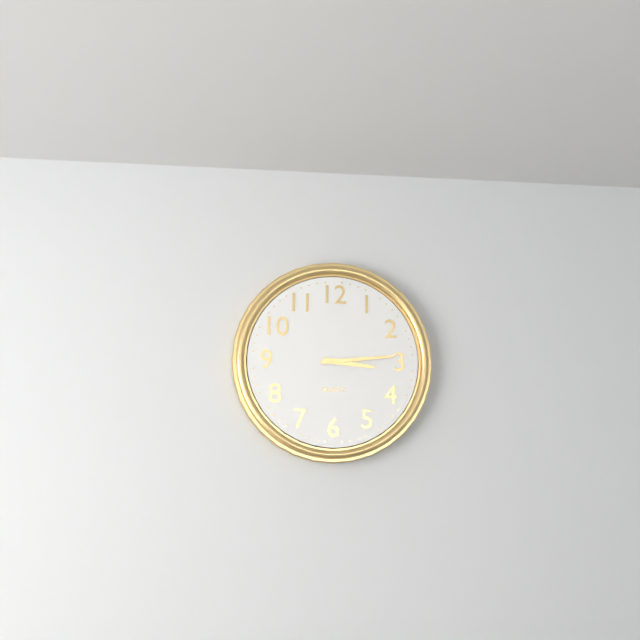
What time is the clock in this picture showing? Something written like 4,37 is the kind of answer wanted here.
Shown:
3,14
